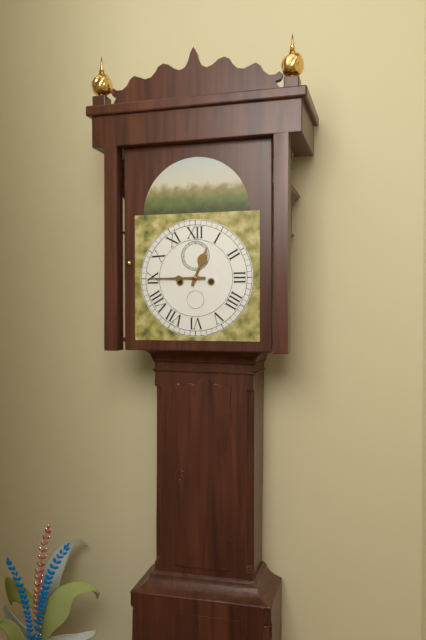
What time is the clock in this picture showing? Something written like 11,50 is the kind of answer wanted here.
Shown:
12,45
